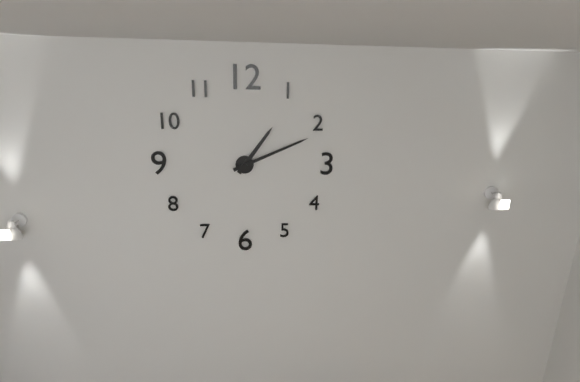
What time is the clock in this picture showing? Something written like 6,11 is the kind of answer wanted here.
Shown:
1,11
